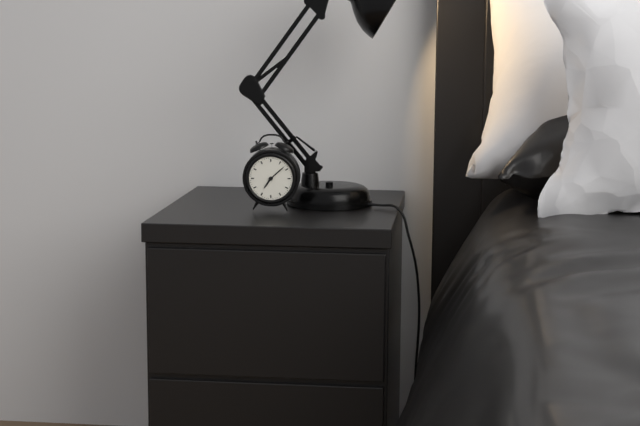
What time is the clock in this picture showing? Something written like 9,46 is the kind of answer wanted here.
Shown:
7,08
